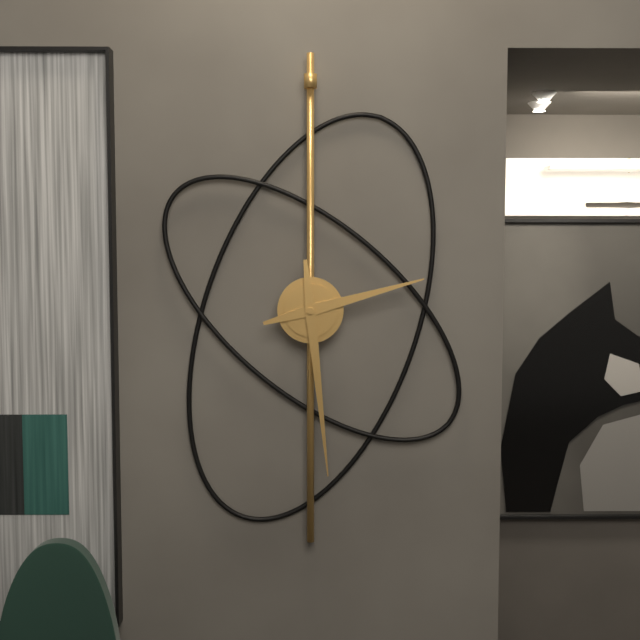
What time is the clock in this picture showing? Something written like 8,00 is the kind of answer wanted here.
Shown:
2,29
